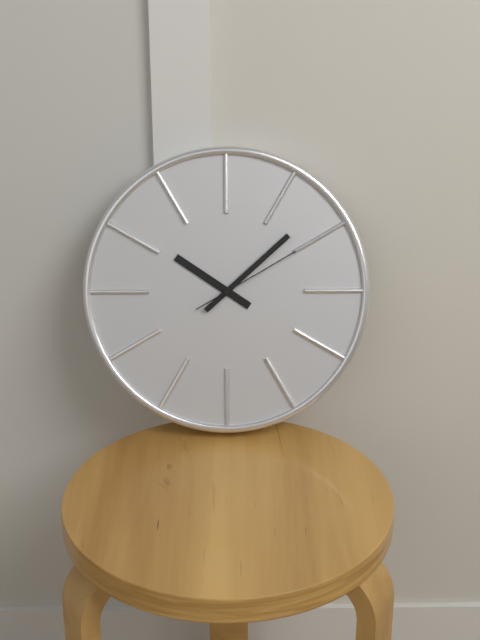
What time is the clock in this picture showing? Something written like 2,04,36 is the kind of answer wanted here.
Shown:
10,08,10
